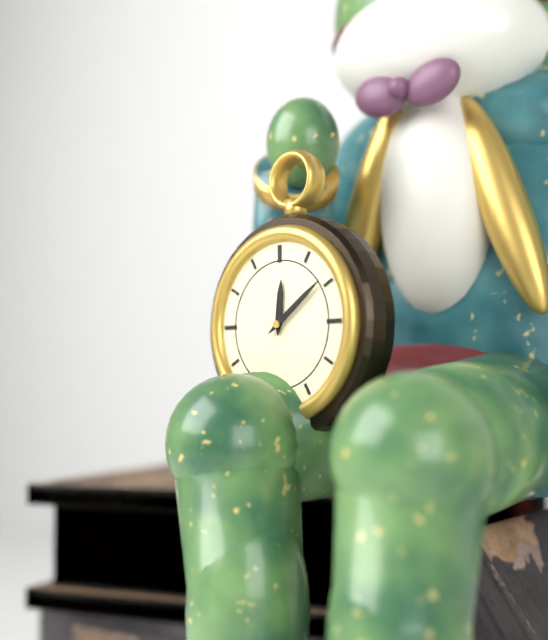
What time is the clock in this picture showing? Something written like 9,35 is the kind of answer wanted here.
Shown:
12,09
